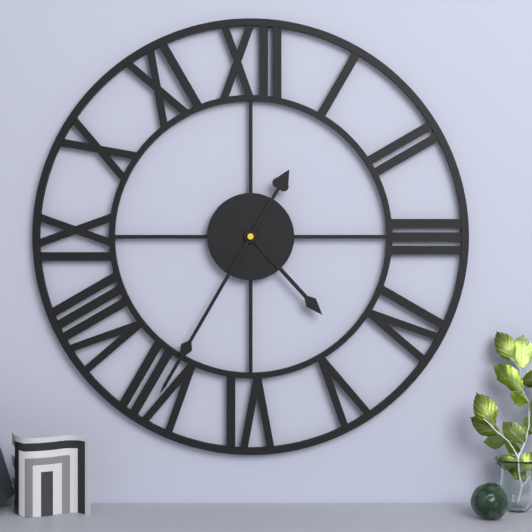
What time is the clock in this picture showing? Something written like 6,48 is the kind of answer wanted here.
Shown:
4,35
